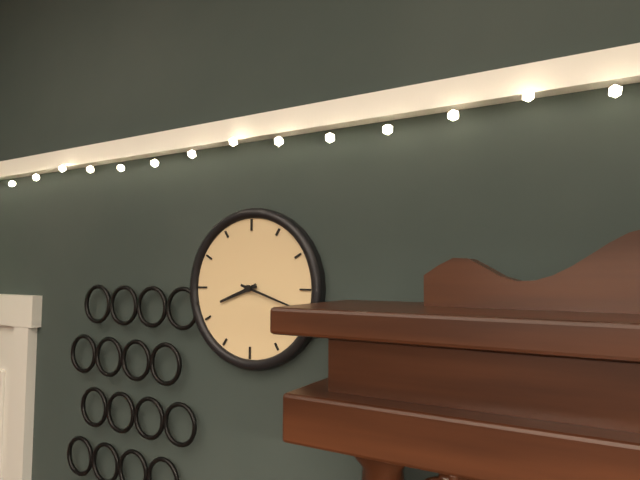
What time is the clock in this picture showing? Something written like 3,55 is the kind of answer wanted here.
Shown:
8,18
